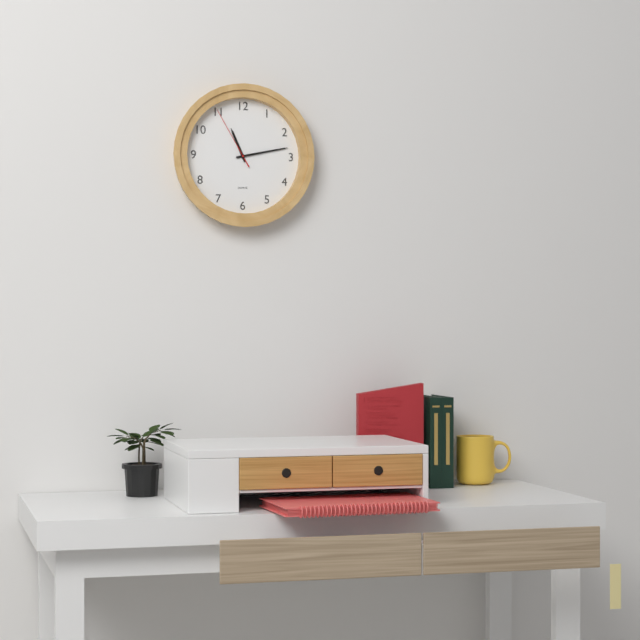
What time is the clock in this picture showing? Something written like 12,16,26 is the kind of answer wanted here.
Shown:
11,13,55
